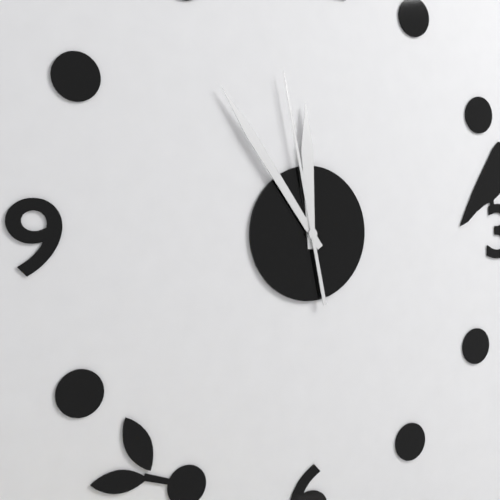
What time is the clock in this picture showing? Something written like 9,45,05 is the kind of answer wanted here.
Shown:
11,54,58
